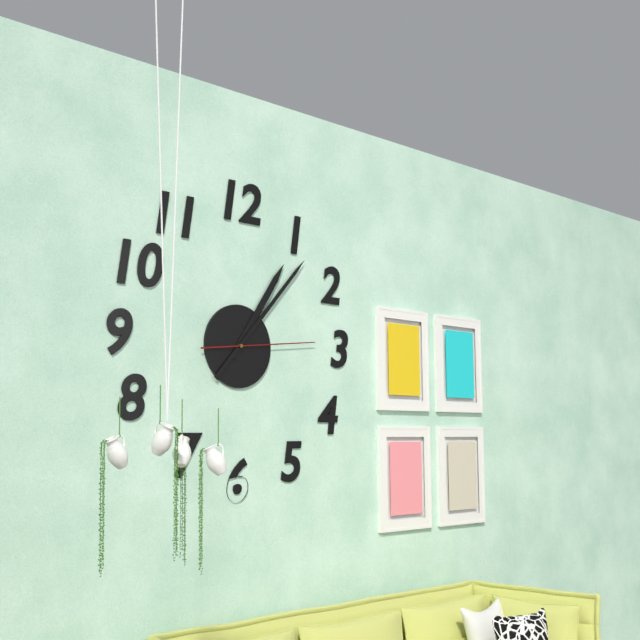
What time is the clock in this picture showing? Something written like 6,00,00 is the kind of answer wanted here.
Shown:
1,07,14
